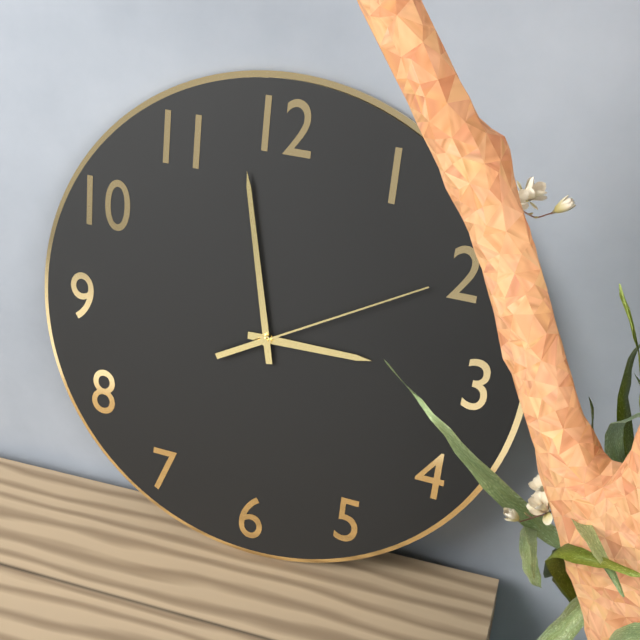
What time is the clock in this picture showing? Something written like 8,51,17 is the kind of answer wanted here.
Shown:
2,58,10
